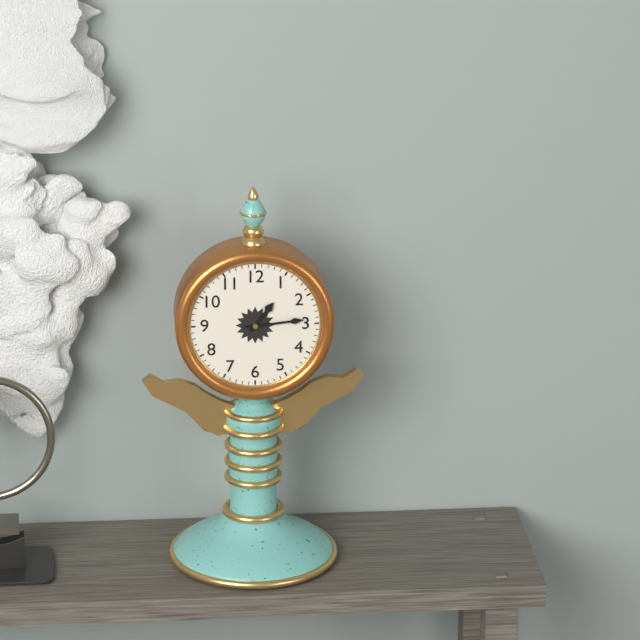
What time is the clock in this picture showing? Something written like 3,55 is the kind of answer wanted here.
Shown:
1,14
